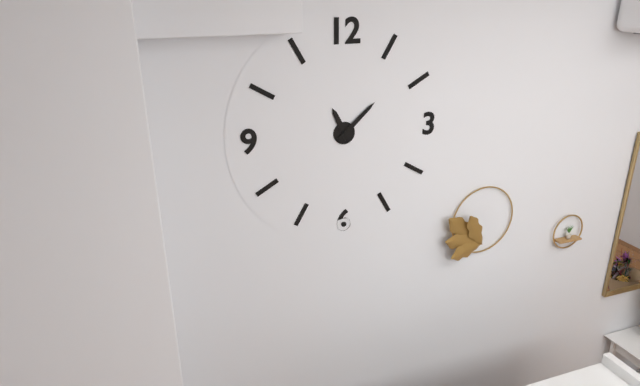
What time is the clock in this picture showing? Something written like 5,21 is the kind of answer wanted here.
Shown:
11,08
